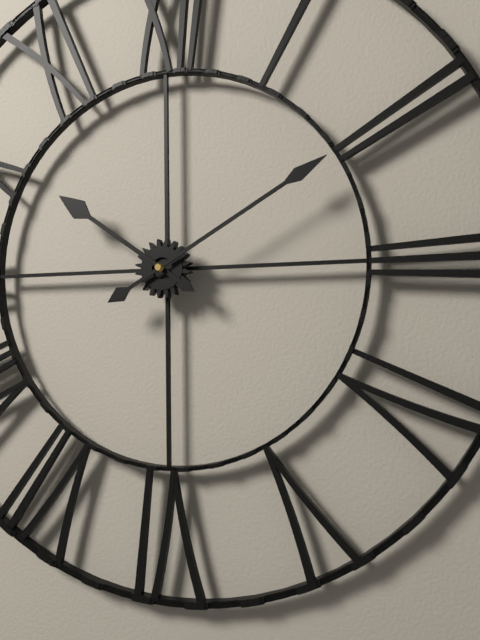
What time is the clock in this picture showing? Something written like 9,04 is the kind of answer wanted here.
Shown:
10,10
